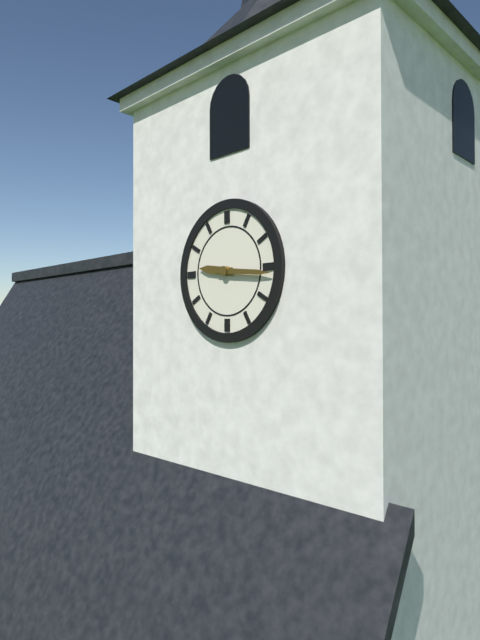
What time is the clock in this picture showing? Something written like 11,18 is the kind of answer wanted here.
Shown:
9,16
